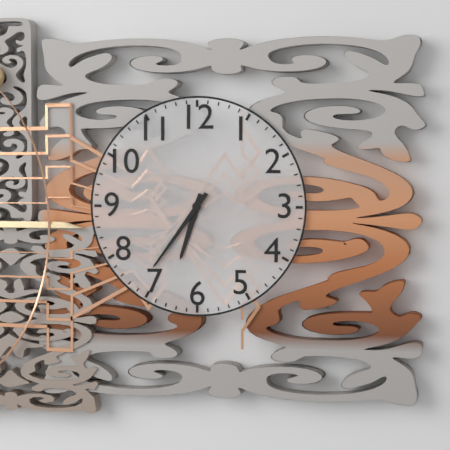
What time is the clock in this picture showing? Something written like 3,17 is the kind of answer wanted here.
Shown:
6,36
